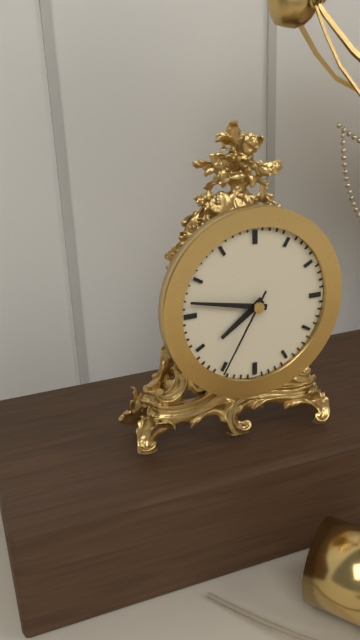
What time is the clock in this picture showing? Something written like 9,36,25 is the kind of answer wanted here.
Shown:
7,47,35
